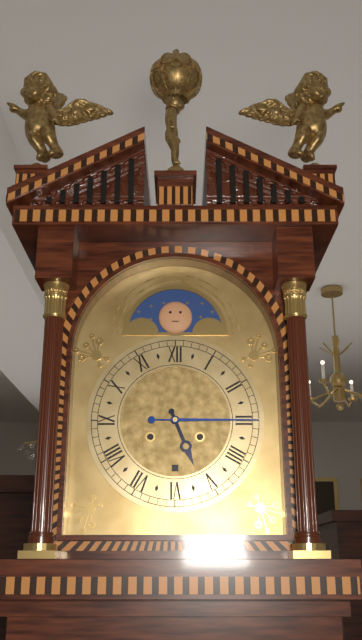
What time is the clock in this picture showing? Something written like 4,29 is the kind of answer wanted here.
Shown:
5,15
